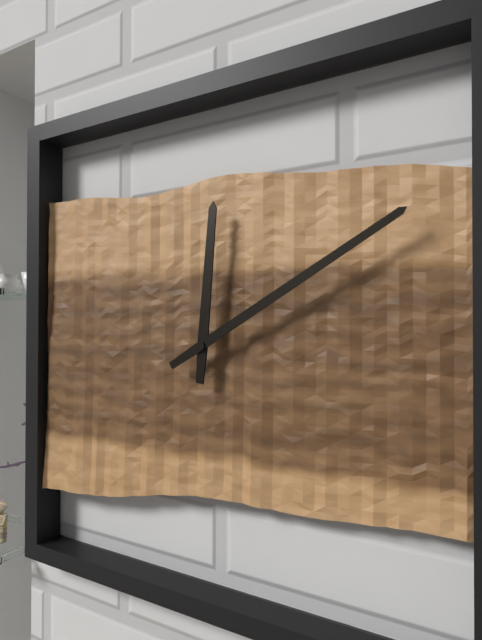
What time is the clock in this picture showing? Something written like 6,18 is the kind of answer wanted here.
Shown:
12,10
